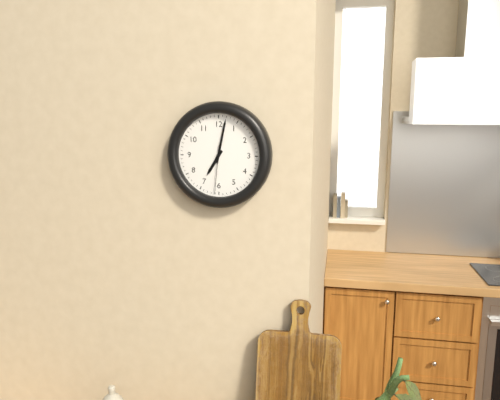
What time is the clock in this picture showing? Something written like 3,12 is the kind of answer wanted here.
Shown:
7,02
